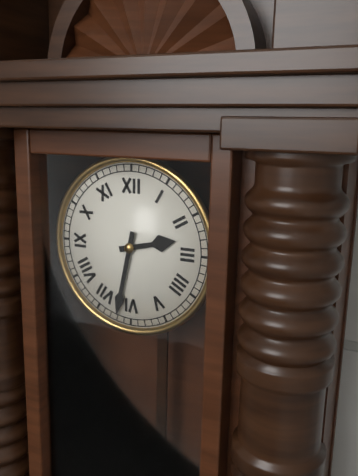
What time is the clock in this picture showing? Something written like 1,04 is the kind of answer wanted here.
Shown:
2,32
